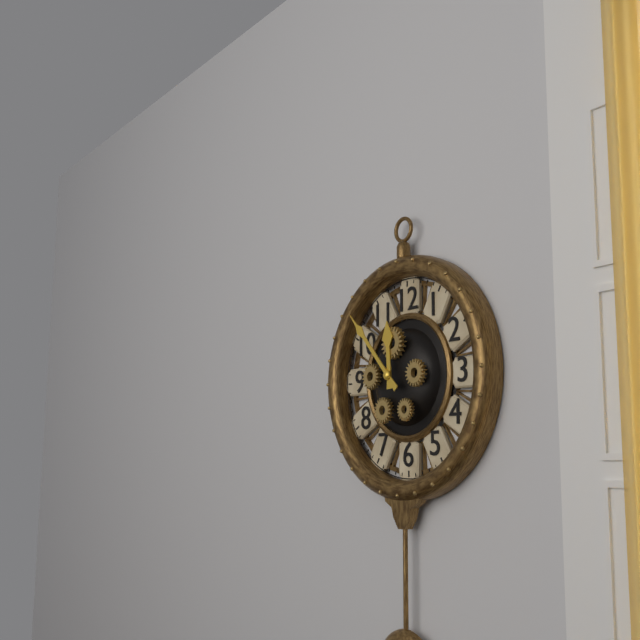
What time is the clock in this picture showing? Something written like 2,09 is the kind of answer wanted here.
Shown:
11,53
